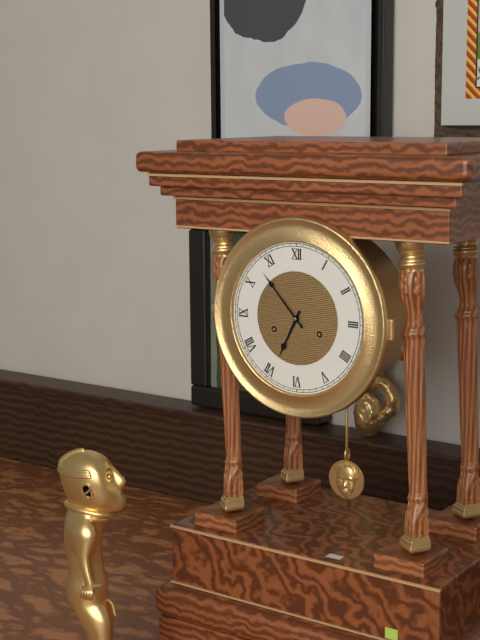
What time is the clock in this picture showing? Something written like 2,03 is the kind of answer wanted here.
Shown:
6,53
